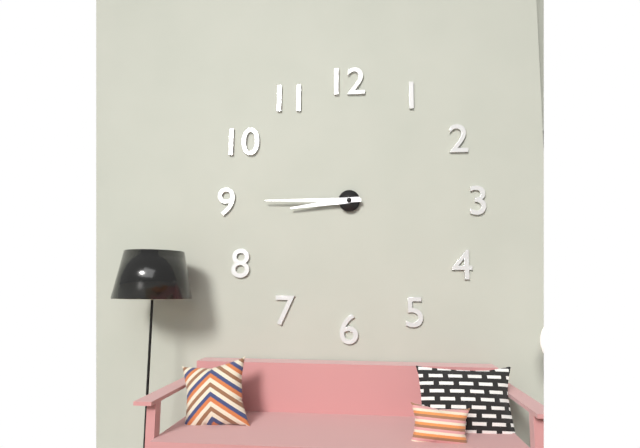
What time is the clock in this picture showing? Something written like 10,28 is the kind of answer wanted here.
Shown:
8,45
